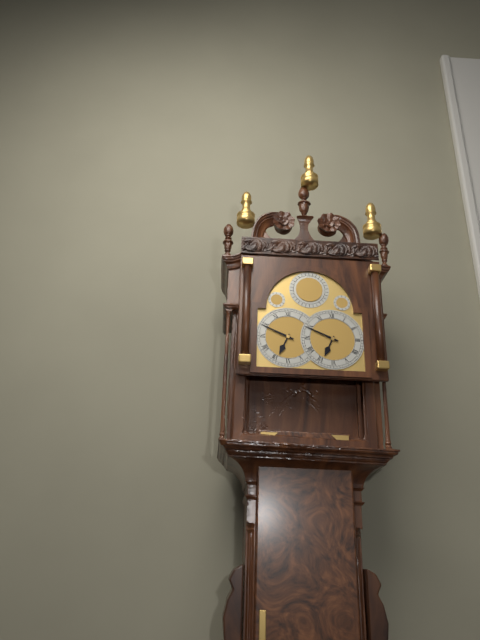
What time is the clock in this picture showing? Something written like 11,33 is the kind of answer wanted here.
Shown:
6,49
